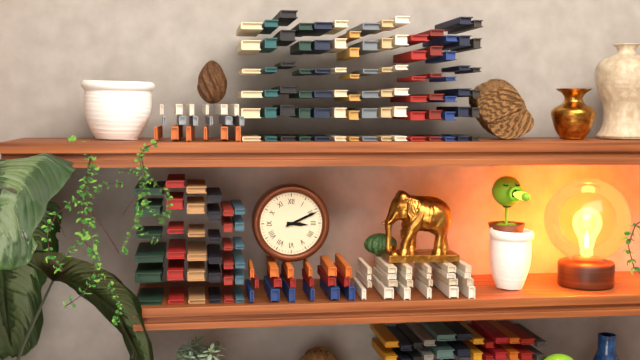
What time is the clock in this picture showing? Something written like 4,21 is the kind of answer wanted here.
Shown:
3,11
